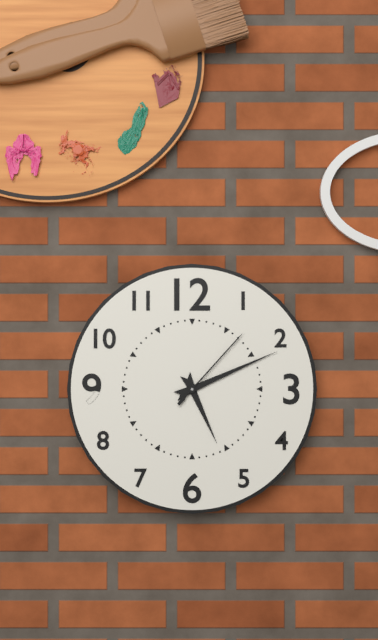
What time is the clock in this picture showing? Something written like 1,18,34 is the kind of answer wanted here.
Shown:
5,11,07
